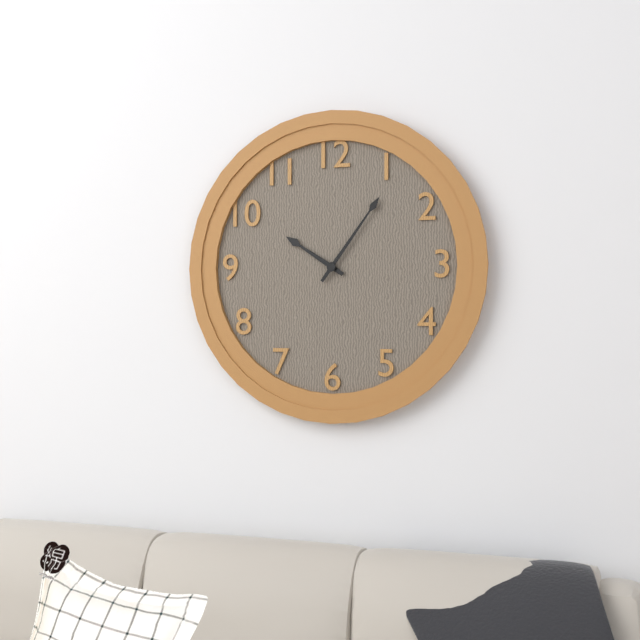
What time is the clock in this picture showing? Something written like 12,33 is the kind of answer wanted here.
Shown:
10,06
